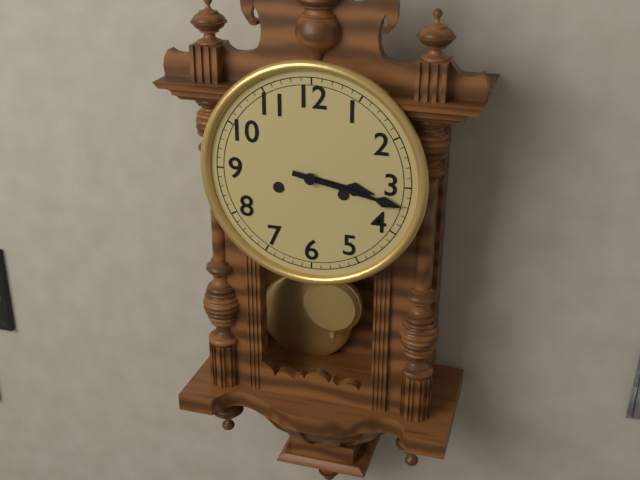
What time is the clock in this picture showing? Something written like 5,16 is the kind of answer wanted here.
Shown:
3,17
